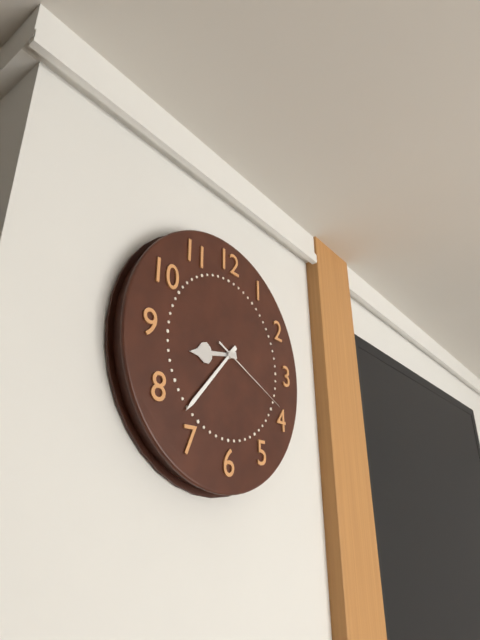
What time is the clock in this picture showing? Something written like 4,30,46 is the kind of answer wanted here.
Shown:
8,37,19
